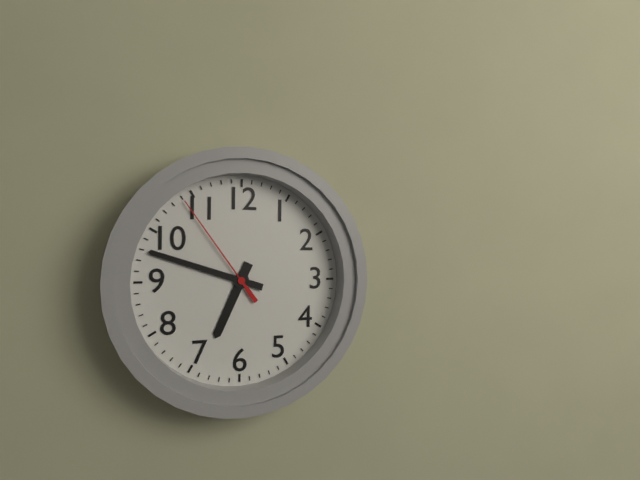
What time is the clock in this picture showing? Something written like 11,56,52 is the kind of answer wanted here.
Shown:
6,48,54
